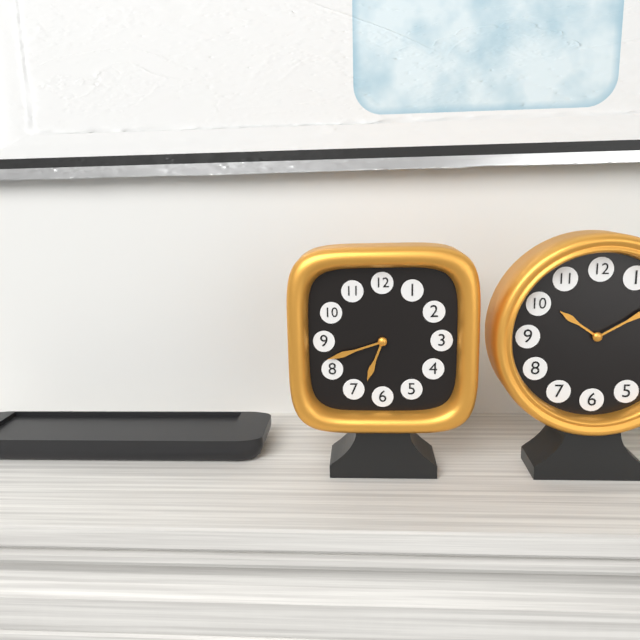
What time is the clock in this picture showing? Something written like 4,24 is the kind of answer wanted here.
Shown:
6,42
